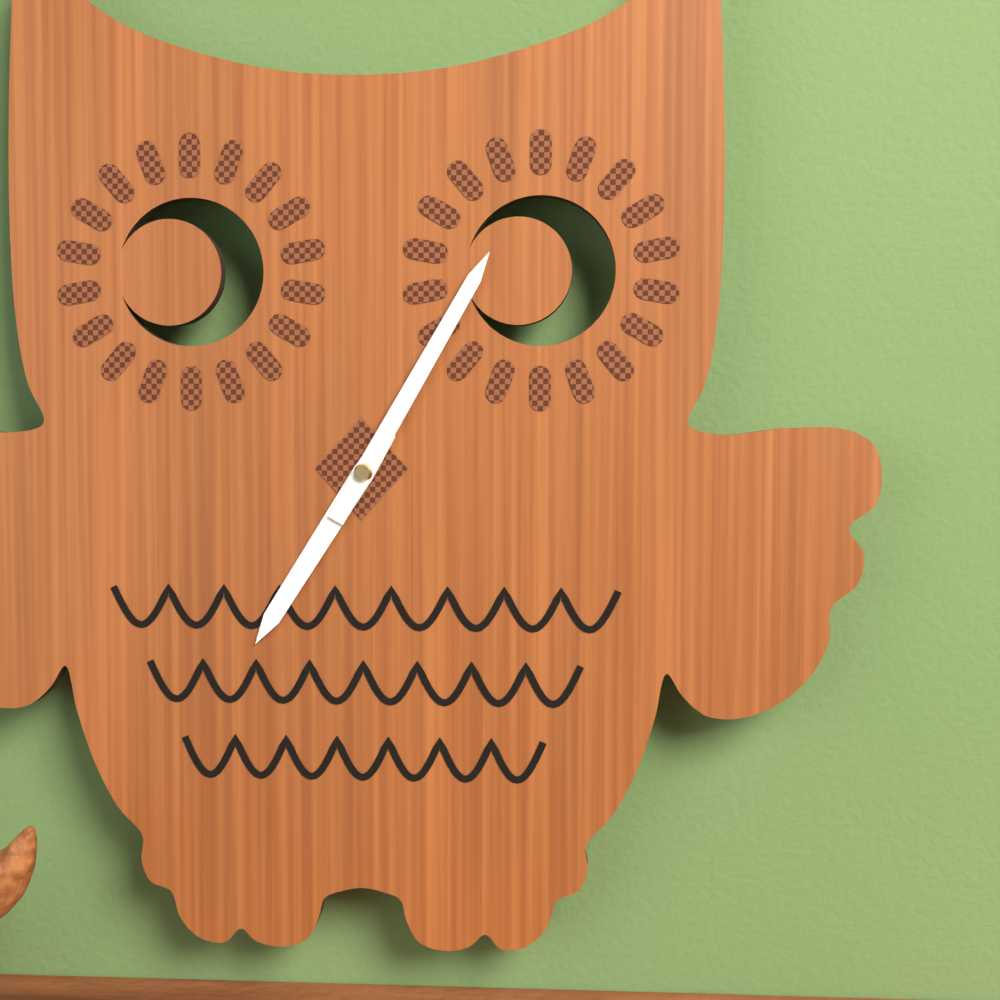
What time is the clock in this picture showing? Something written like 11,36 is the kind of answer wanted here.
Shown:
7,05
